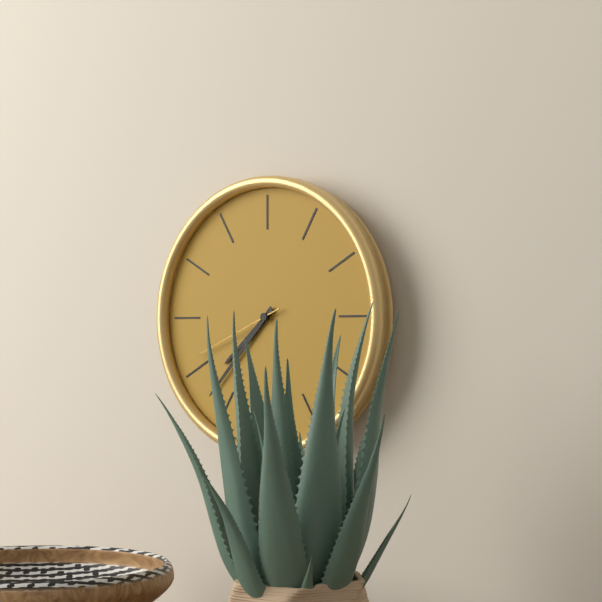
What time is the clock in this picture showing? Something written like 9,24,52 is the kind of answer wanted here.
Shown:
7,37,41
